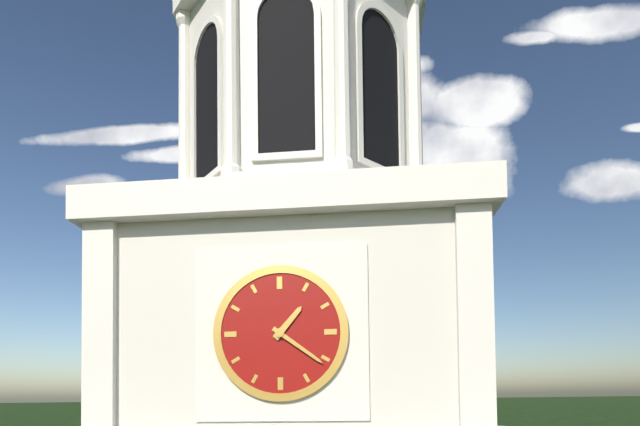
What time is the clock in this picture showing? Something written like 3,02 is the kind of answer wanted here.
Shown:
1,21
